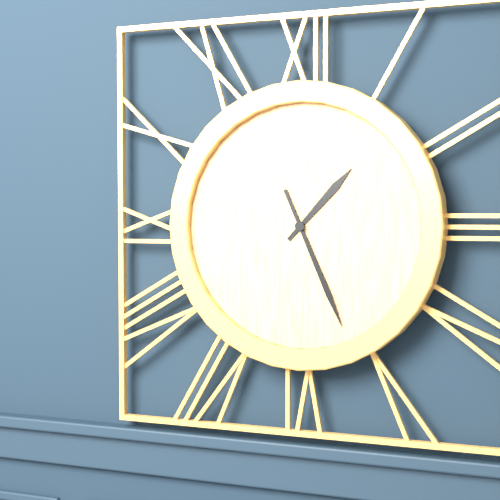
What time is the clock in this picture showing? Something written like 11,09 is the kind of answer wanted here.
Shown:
1,26
